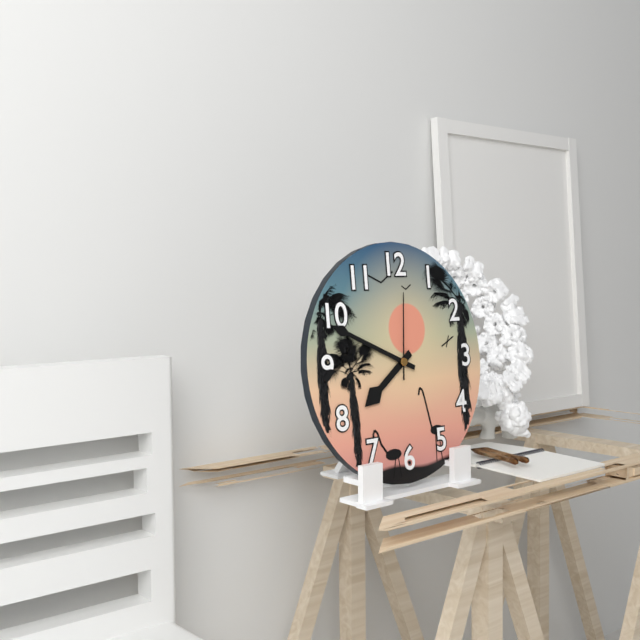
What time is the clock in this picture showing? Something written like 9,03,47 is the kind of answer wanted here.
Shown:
7,49,01
